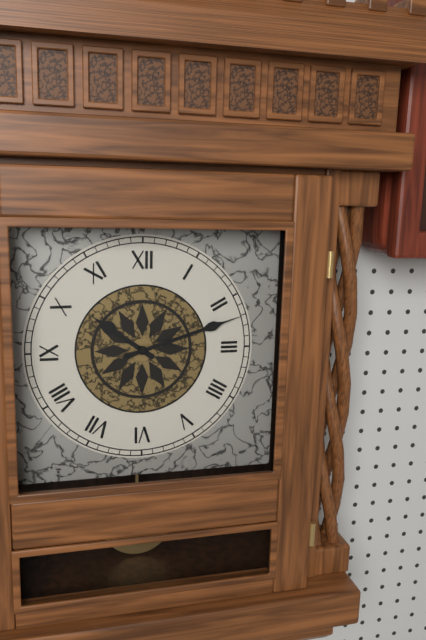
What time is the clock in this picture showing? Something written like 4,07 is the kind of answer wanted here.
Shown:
10,12
